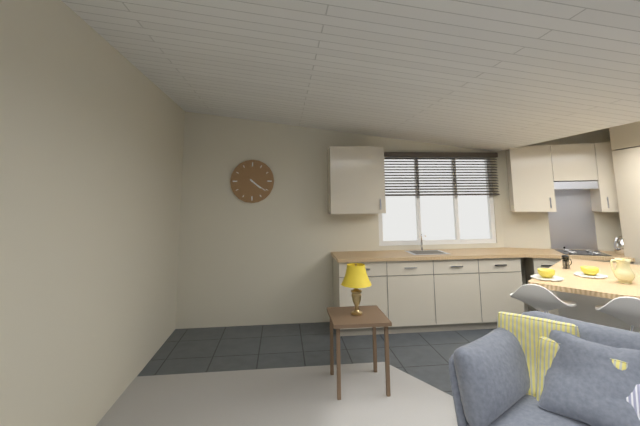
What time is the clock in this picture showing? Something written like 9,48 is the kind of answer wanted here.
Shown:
4,21
